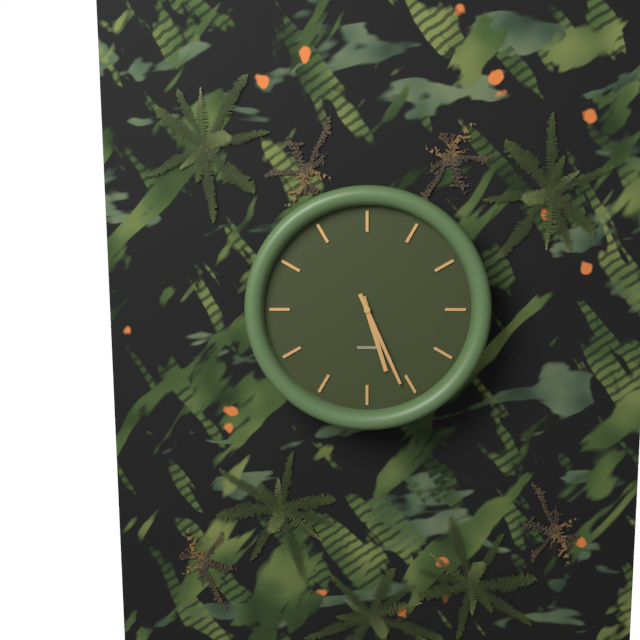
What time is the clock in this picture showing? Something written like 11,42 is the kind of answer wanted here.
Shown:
5,26
